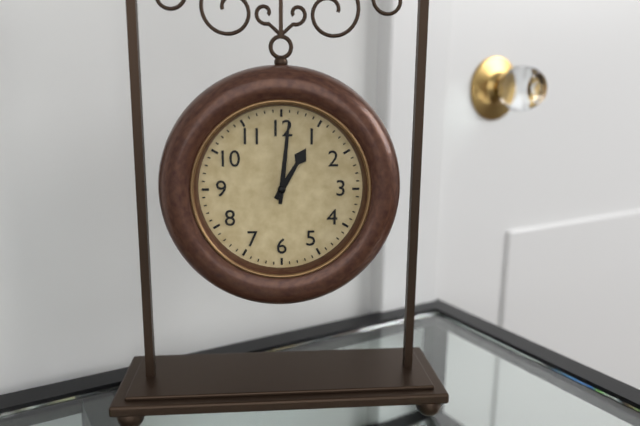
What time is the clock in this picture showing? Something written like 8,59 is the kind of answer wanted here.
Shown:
1,01
